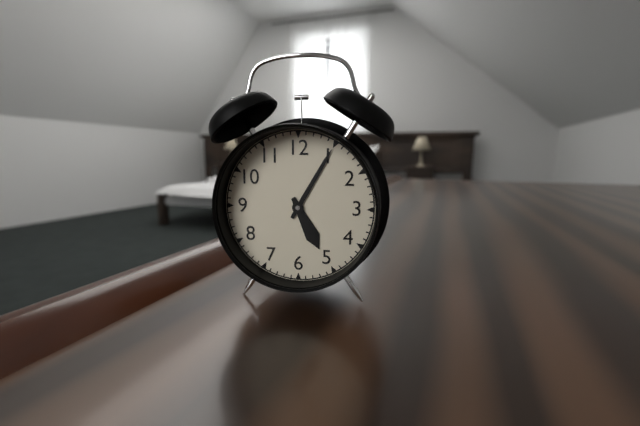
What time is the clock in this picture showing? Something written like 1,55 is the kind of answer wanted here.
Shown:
5,05
